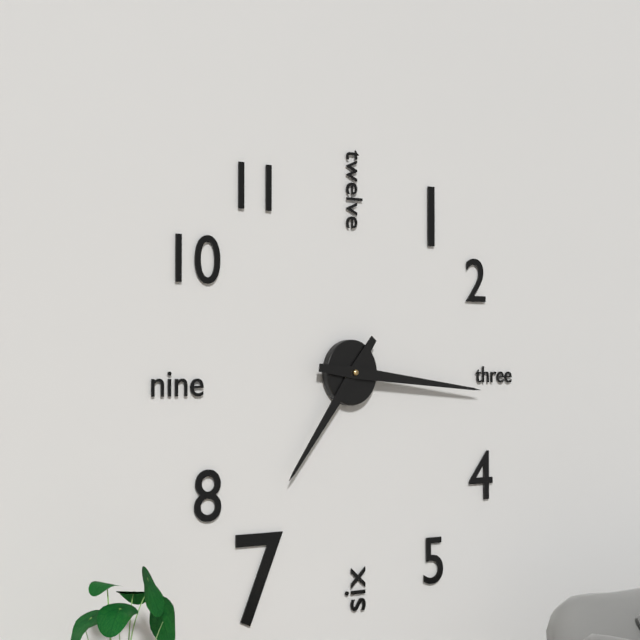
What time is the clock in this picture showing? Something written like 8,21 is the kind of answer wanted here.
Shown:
7,16
